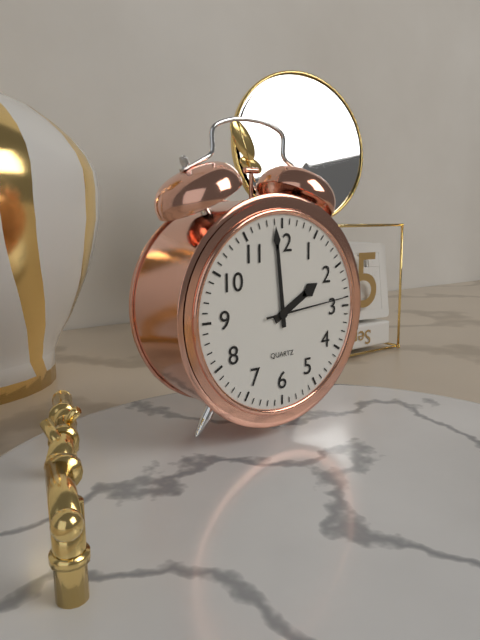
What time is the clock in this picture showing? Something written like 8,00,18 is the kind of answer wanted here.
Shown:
1,59,14
